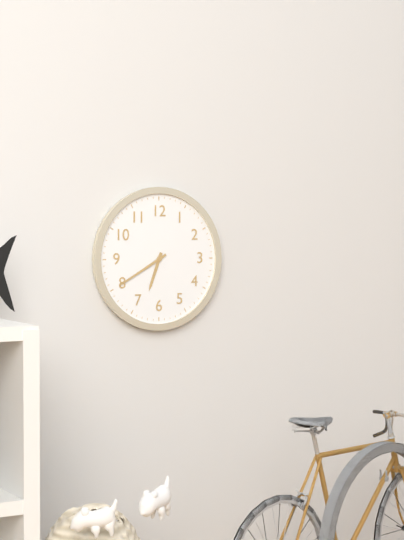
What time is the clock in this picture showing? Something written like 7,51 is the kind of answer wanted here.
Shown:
6,40
